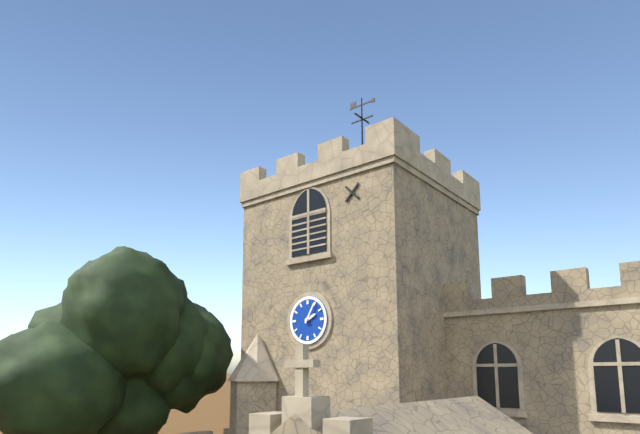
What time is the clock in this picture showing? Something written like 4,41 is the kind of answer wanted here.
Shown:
2,05
